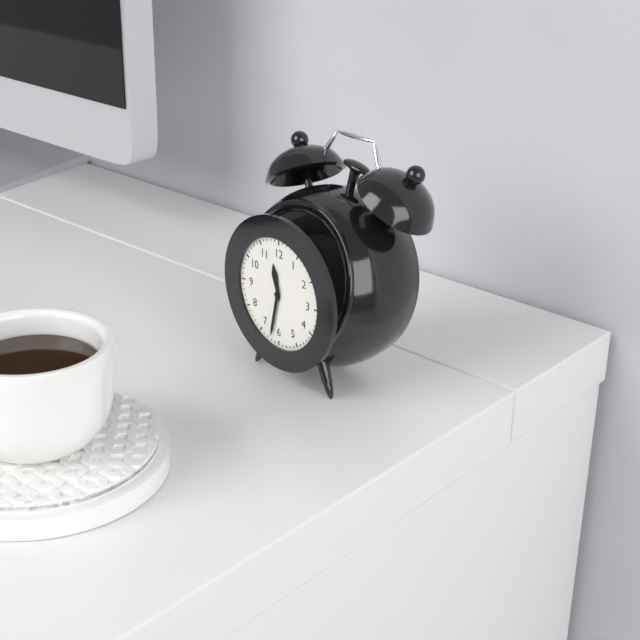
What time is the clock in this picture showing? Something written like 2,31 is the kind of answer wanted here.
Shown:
11,32
